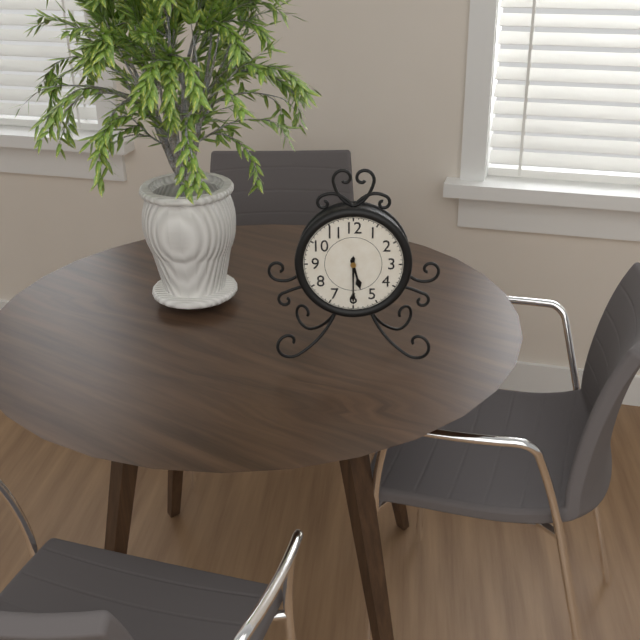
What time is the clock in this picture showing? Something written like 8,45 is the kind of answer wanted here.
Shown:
5,30
